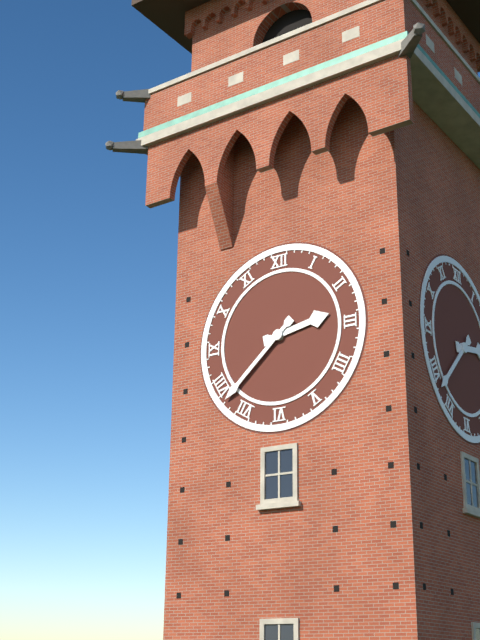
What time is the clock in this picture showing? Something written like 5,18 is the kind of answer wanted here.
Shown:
2,38
